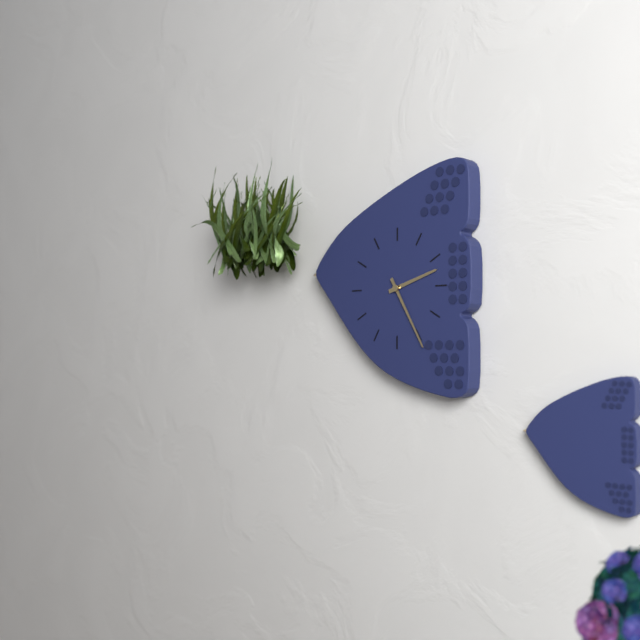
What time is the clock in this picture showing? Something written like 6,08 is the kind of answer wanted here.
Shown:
2,25
